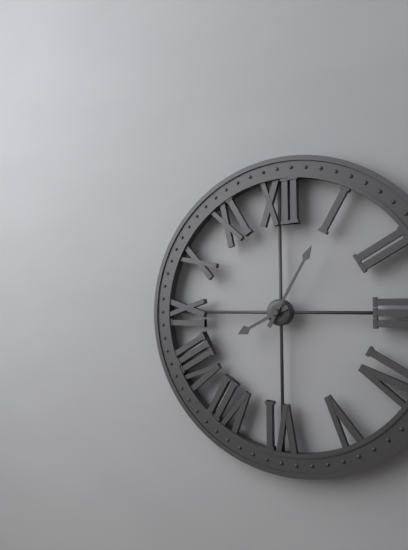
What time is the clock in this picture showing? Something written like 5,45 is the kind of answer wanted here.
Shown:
8,05
